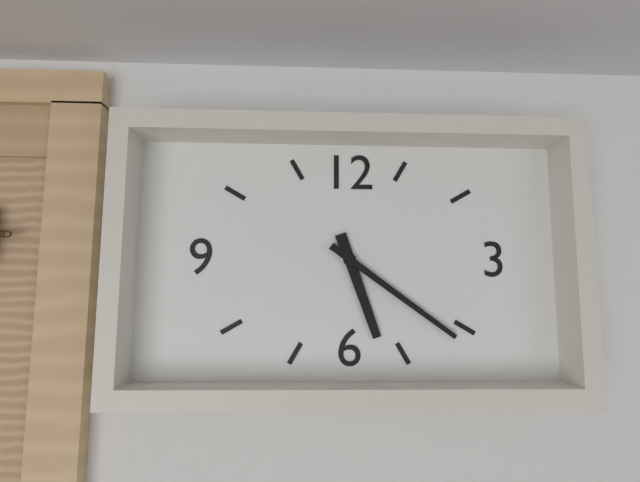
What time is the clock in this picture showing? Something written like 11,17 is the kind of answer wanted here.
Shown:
5,21
